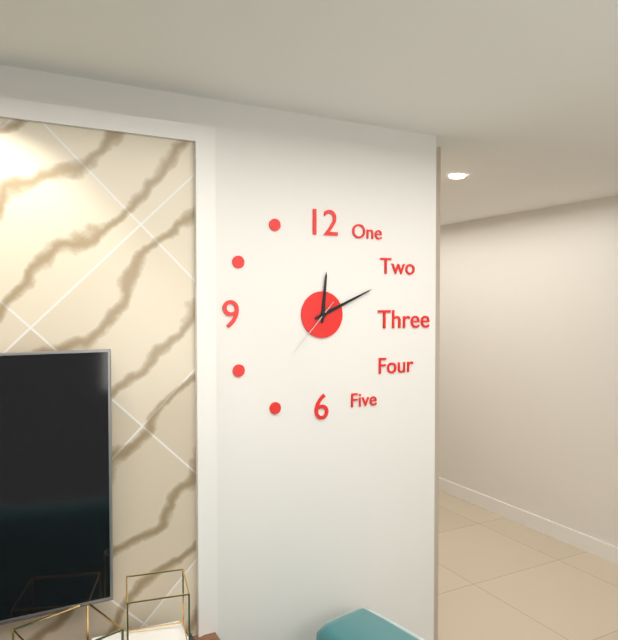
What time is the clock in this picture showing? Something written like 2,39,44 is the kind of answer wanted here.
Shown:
12,11,37
